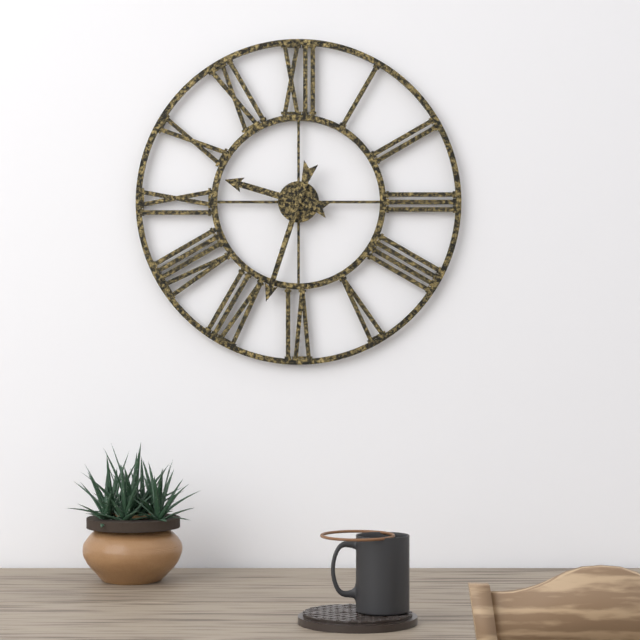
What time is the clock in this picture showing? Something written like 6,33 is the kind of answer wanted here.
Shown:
9,33
